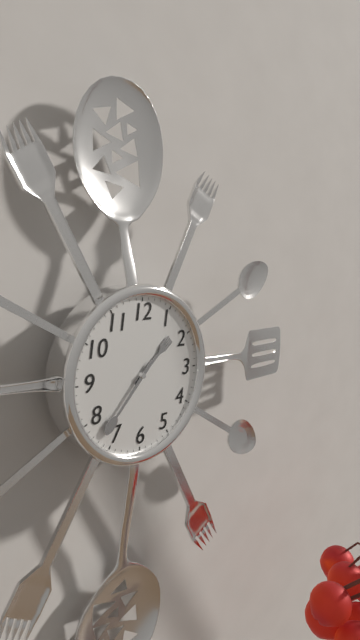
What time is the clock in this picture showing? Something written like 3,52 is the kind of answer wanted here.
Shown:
1,37
